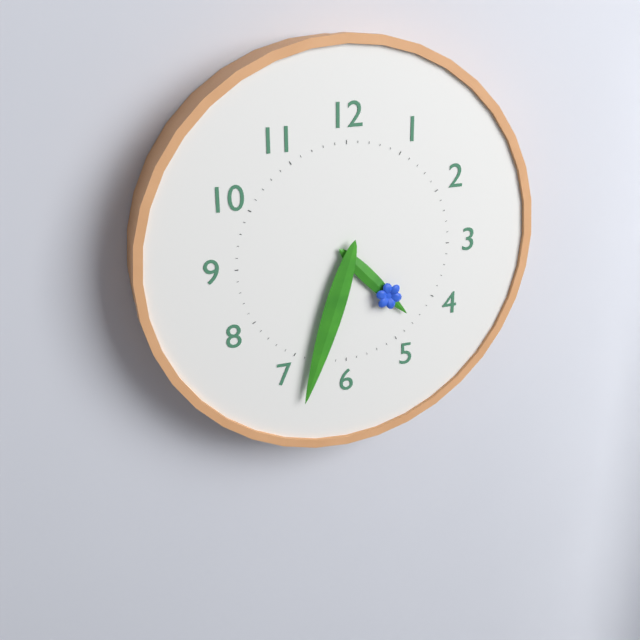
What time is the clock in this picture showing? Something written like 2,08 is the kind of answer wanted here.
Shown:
4,33
